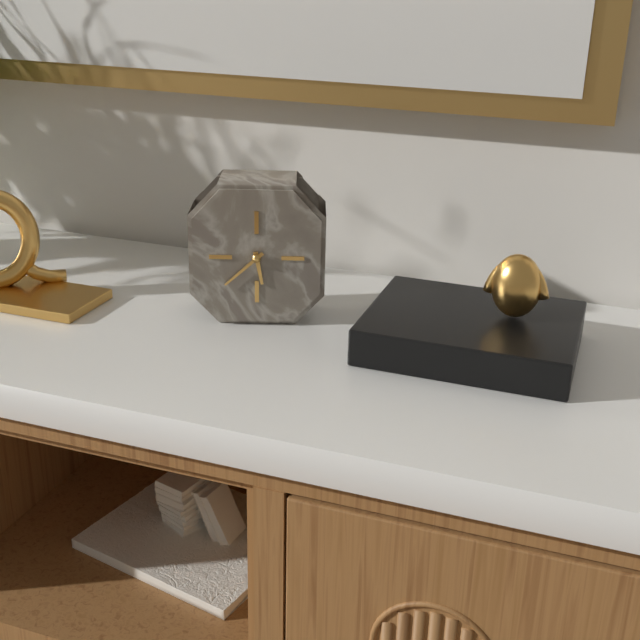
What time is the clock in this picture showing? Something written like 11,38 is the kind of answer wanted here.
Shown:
5,38
